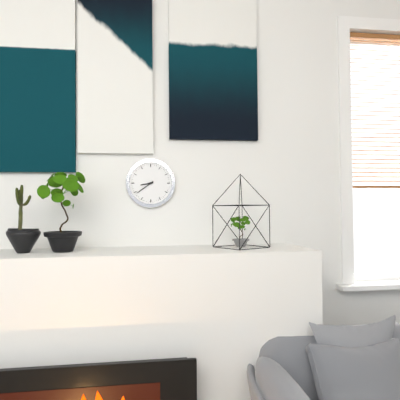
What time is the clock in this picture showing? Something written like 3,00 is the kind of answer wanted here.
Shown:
8,39
